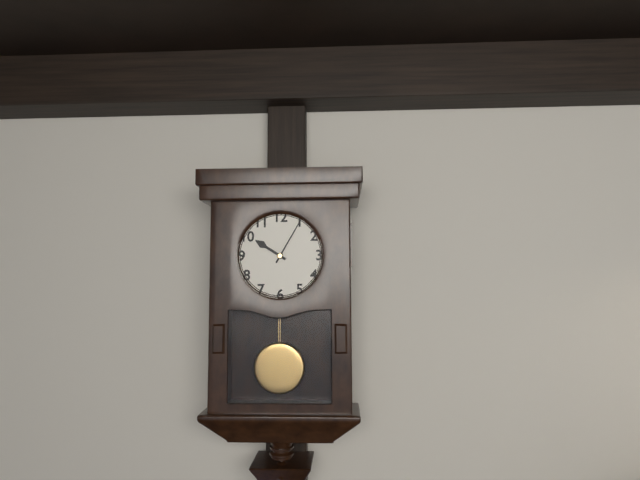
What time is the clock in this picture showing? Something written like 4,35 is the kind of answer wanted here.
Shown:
10,05
